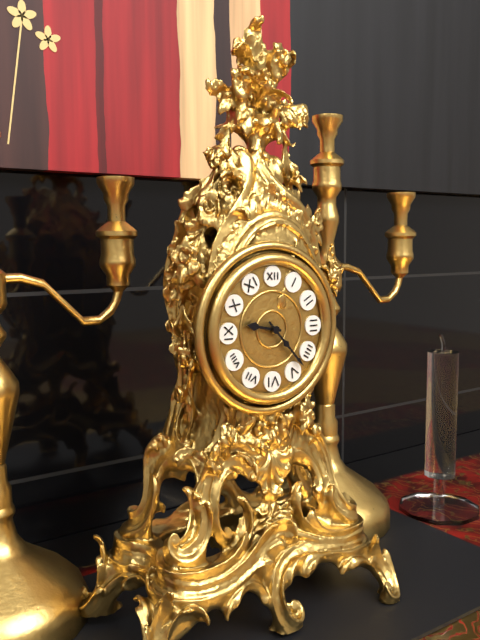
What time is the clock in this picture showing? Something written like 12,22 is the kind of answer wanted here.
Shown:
9,23
